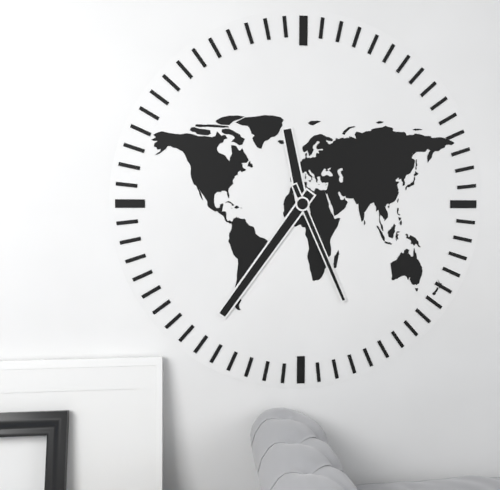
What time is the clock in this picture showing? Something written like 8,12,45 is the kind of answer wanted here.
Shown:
11,36,26
